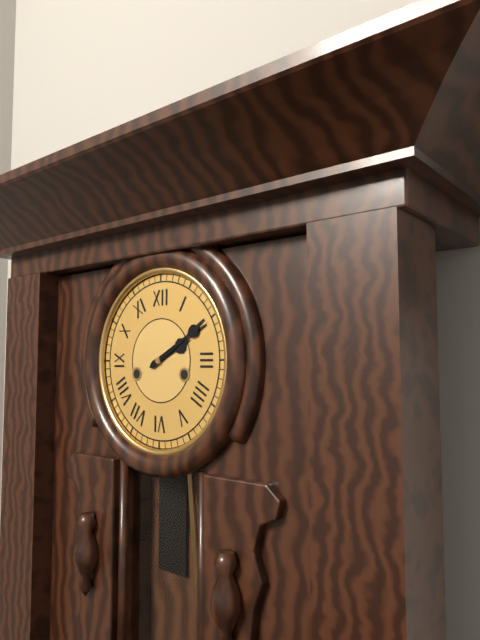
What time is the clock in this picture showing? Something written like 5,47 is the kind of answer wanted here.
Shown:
2,10
